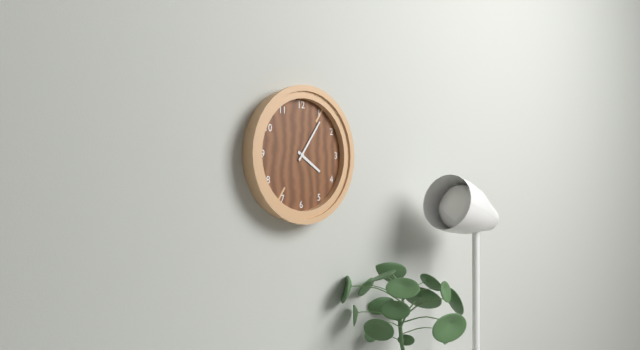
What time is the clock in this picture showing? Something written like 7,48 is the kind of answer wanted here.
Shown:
4,06
